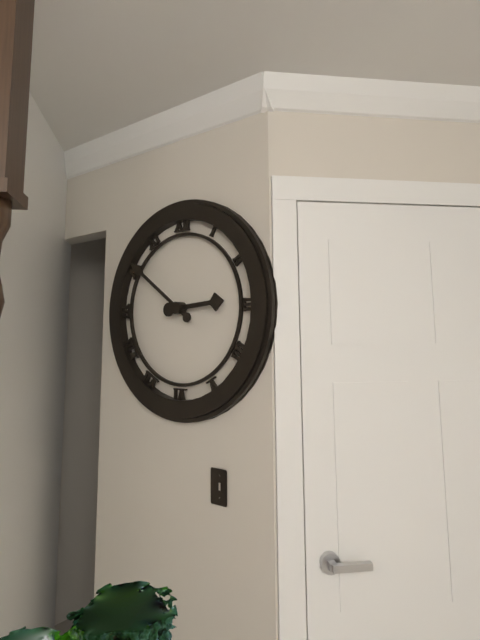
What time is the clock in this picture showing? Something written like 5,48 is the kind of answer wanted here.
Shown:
2,51
